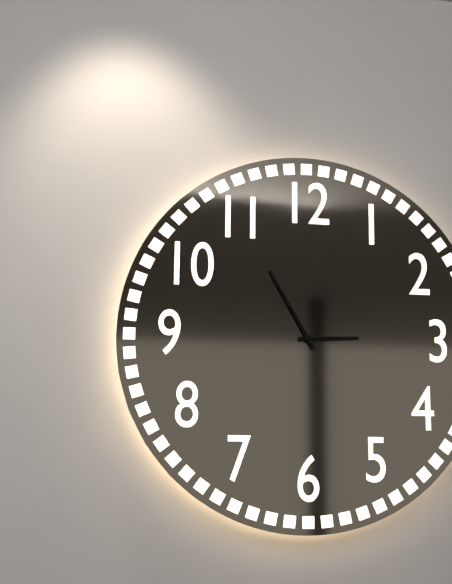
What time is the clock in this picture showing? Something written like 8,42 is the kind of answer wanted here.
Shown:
2,55
